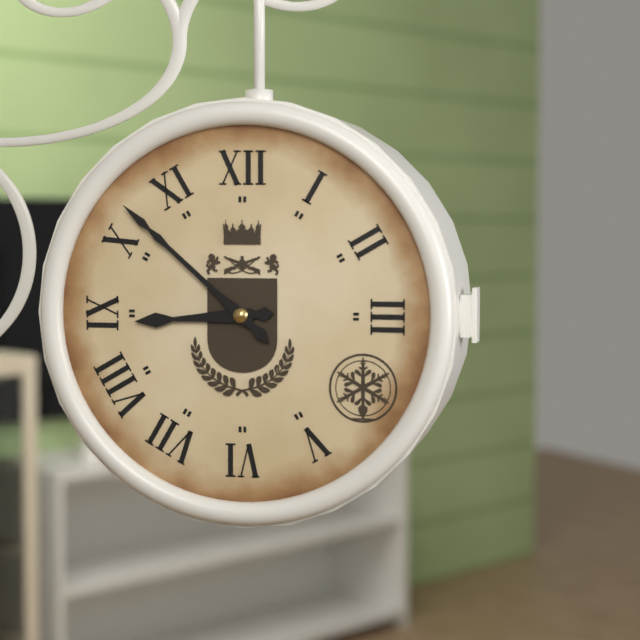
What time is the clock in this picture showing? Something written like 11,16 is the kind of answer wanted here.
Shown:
8,52
